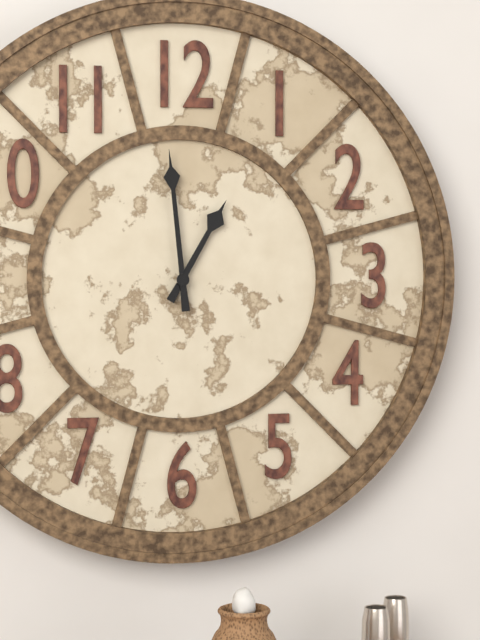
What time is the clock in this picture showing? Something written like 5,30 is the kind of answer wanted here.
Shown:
12,59
